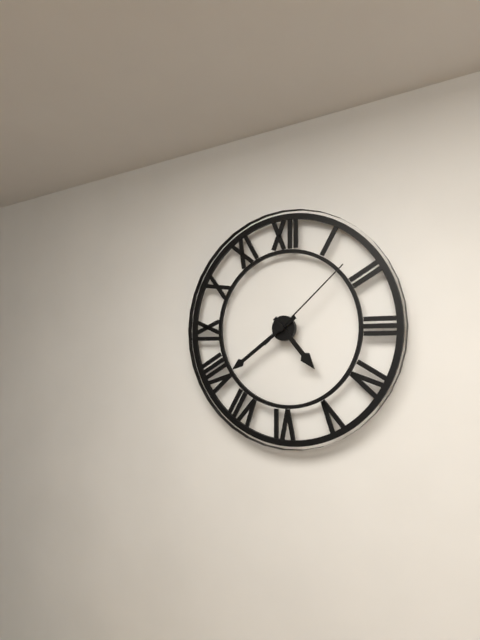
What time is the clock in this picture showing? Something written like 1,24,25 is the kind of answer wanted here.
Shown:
4,39,08
